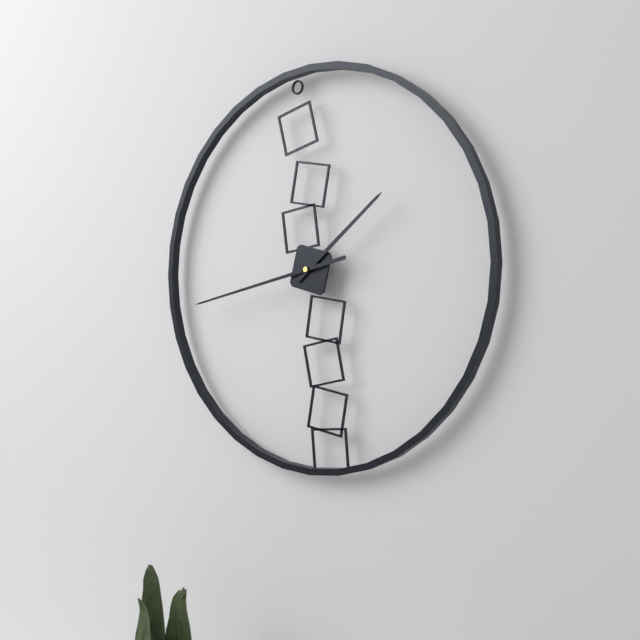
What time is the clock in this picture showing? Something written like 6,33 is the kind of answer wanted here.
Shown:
1,43
